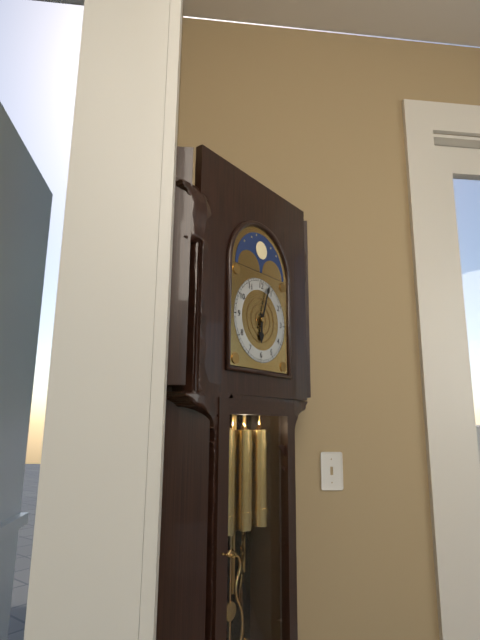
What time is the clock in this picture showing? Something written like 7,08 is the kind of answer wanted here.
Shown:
6,03
